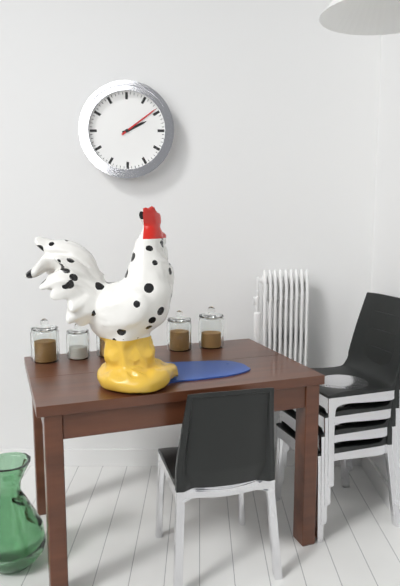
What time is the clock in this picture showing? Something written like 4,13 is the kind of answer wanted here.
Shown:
2,09
